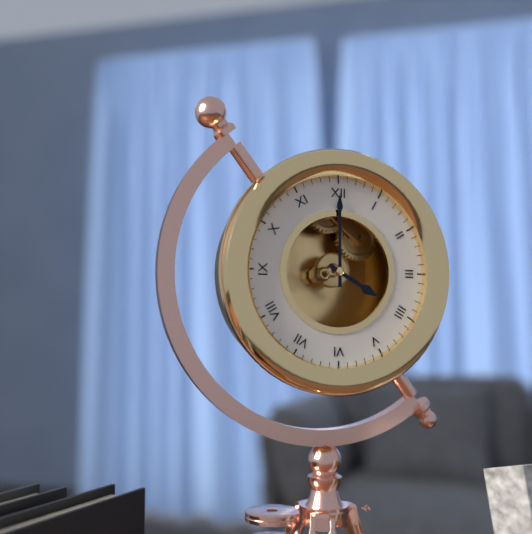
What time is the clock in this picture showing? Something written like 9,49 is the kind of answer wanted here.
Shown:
4,00
